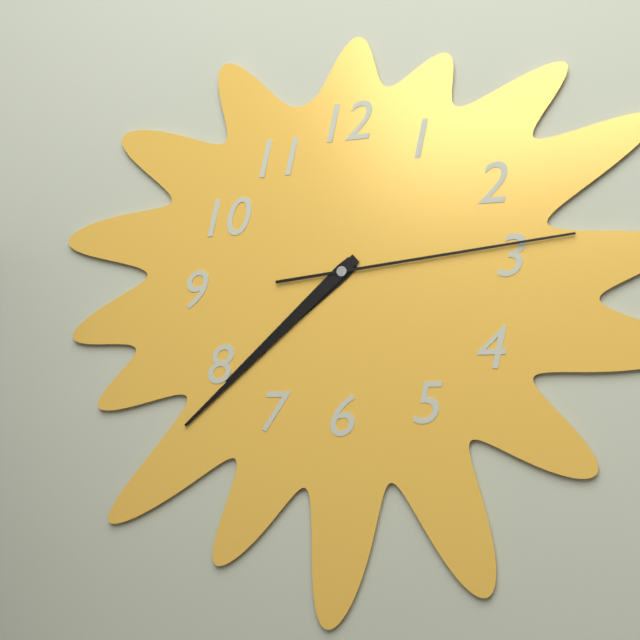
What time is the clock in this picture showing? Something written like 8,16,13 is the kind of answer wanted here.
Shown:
7,38,14
